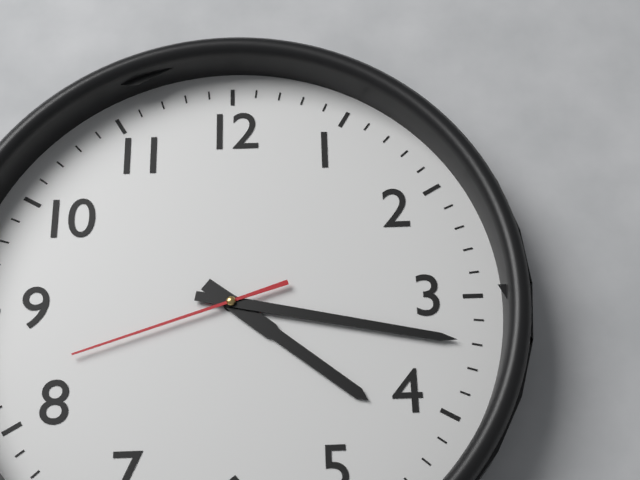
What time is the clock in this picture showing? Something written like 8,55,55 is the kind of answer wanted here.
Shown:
4,17,42
